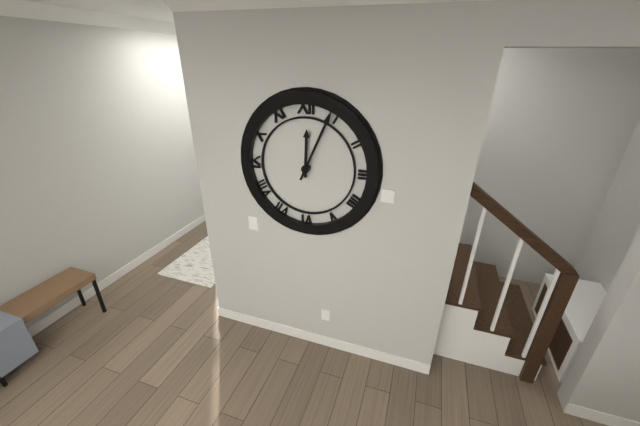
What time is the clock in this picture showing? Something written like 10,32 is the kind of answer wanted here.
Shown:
12,04
